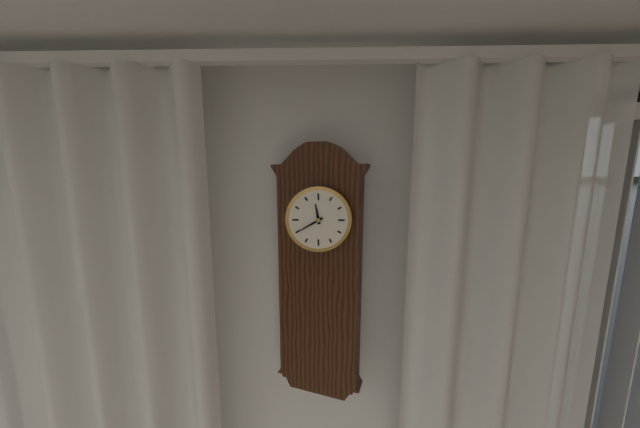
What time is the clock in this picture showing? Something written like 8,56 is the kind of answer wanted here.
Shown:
11,40
